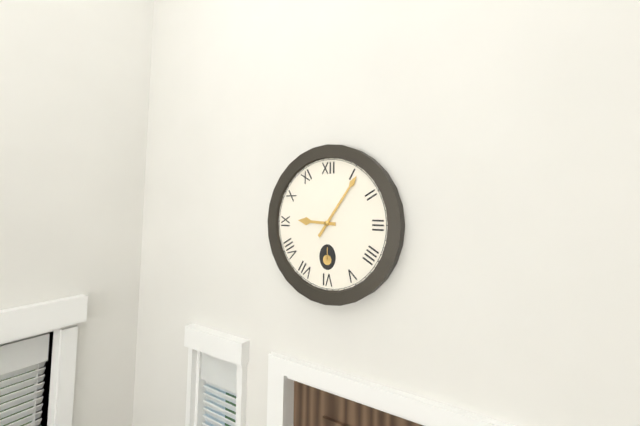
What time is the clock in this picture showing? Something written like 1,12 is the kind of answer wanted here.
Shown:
9,06
